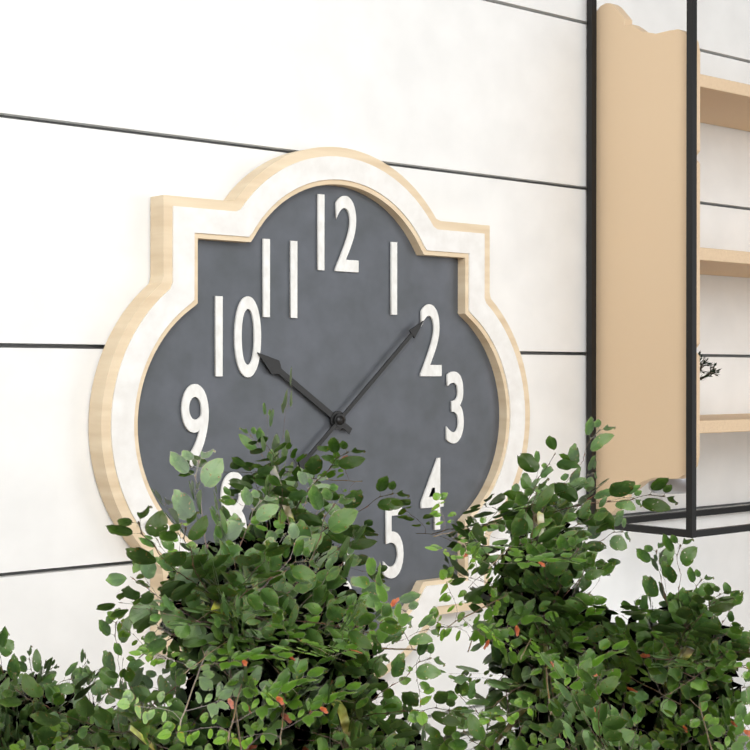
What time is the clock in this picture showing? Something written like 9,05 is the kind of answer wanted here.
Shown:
10,08
